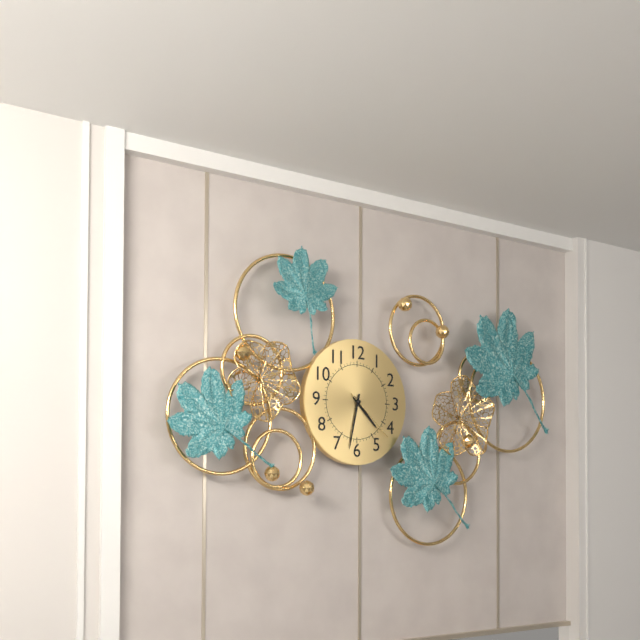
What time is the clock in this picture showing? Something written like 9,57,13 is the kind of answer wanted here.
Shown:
4,32,22
